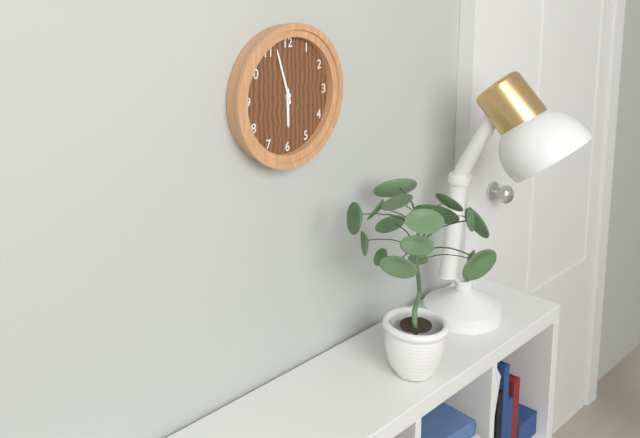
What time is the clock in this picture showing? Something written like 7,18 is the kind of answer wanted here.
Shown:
5,57
